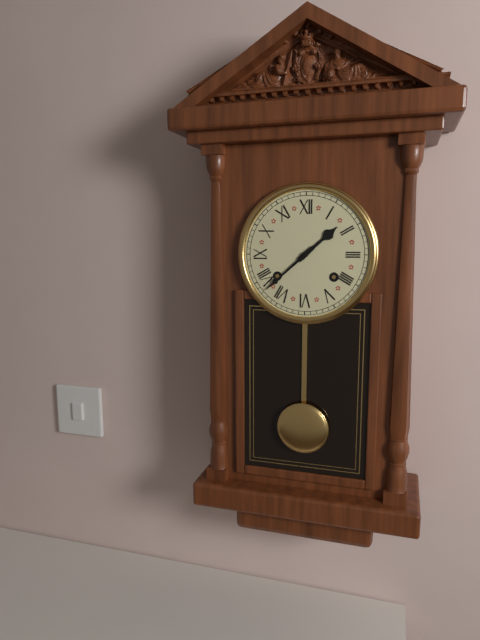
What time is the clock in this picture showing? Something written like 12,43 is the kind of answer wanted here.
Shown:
1,38
